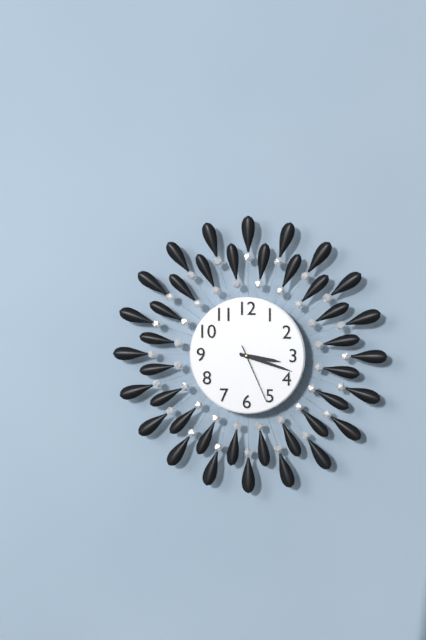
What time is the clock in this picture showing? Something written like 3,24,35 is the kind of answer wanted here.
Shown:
3,18,26
